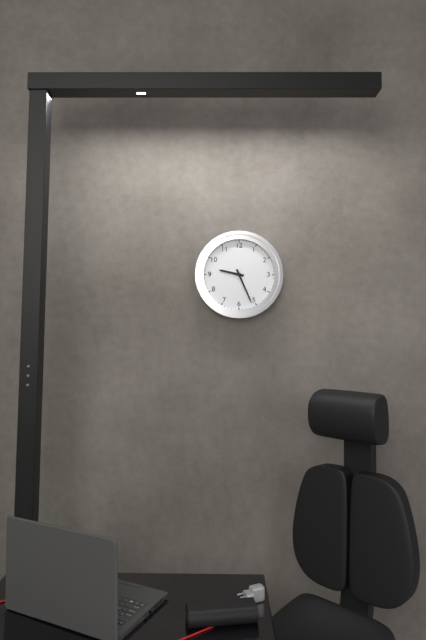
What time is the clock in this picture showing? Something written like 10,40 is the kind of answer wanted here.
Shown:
9,26
